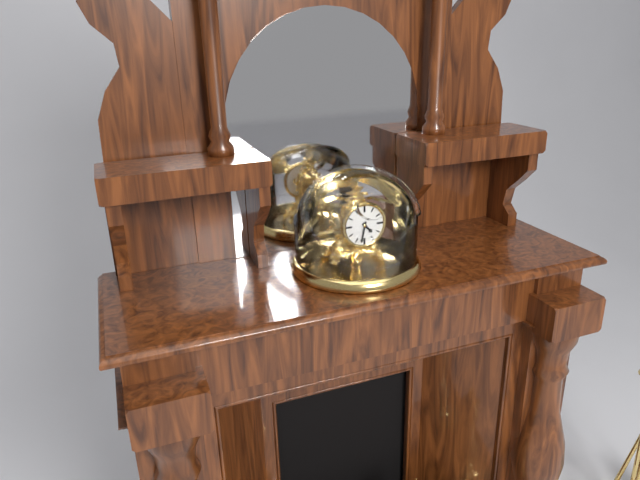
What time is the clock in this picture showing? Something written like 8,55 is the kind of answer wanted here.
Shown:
4,32
